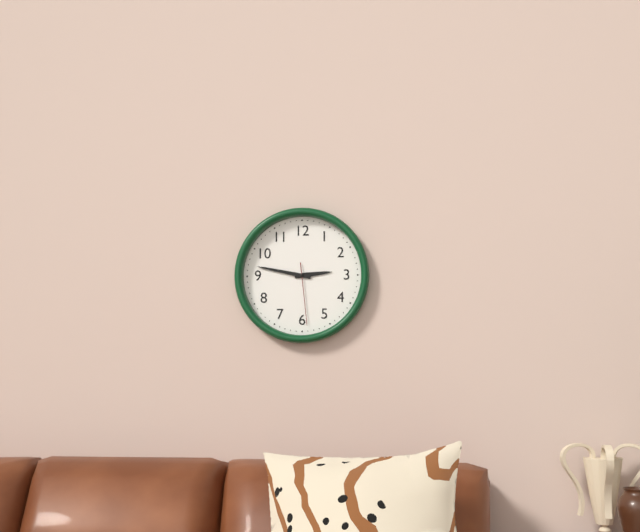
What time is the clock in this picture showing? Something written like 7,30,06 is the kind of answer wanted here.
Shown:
2,47,29
